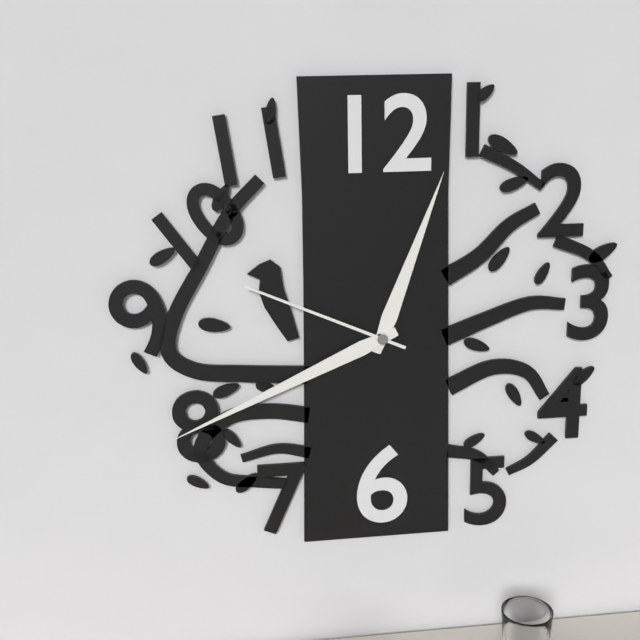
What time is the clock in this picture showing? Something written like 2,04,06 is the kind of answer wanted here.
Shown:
12,41,49
